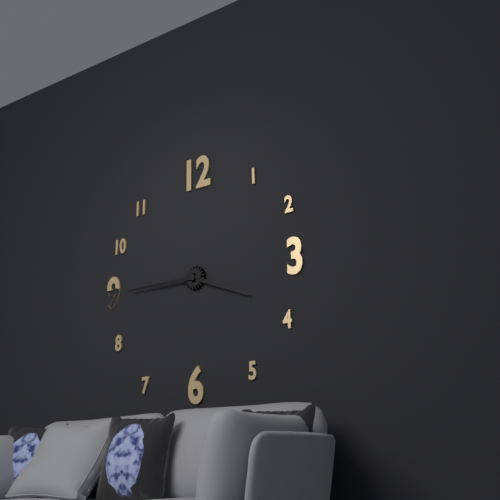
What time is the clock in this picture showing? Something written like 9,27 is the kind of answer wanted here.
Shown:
3,45
